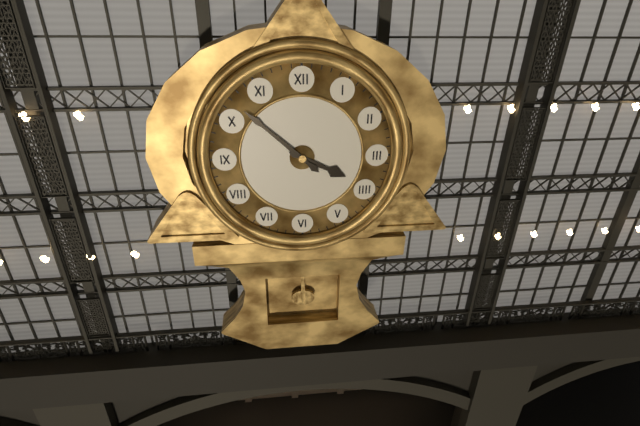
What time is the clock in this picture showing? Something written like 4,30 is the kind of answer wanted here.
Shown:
3,52
